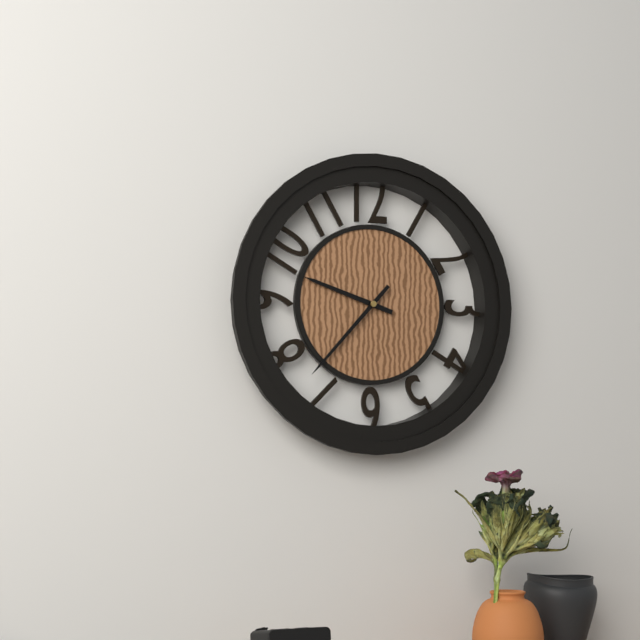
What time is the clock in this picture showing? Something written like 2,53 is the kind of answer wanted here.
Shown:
9,37
